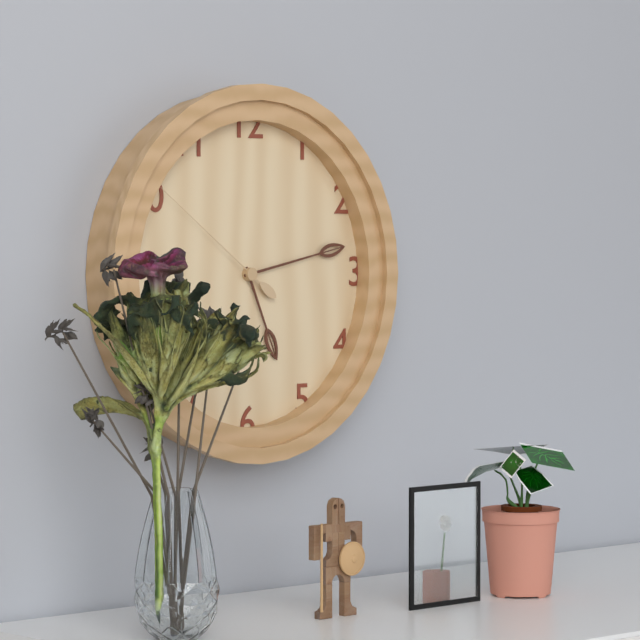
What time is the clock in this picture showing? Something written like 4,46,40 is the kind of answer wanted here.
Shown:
5,13,51
